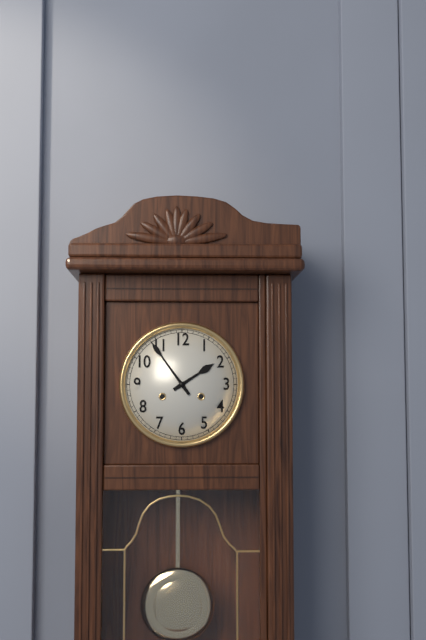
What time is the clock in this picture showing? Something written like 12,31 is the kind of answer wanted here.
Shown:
1,54
